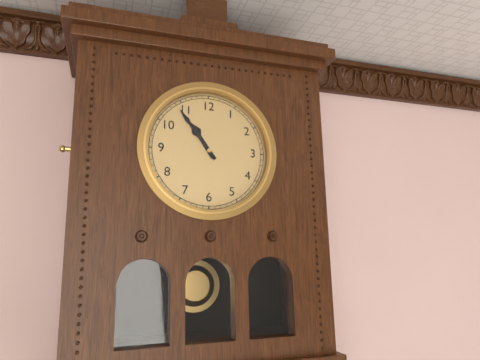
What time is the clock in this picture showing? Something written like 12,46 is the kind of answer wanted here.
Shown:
10,54
